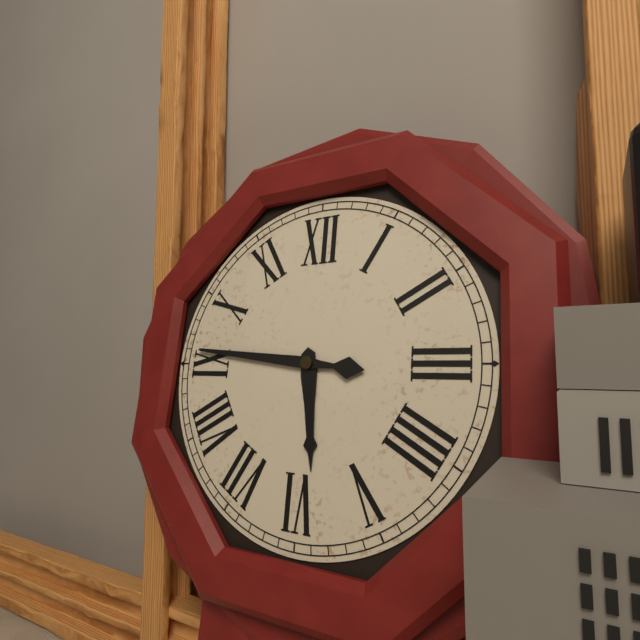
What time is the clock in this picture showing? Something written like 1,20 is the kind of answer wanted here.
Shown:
5,46
